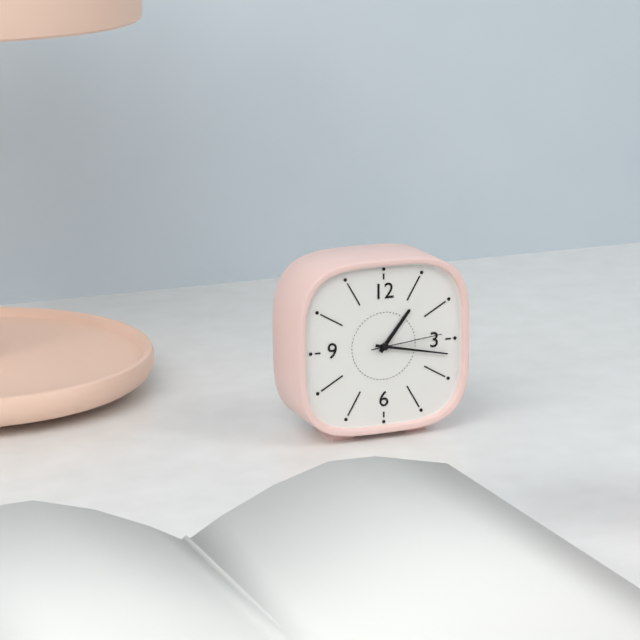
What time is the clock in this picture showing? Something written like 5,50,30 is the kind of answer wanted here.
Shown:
1,17,14
